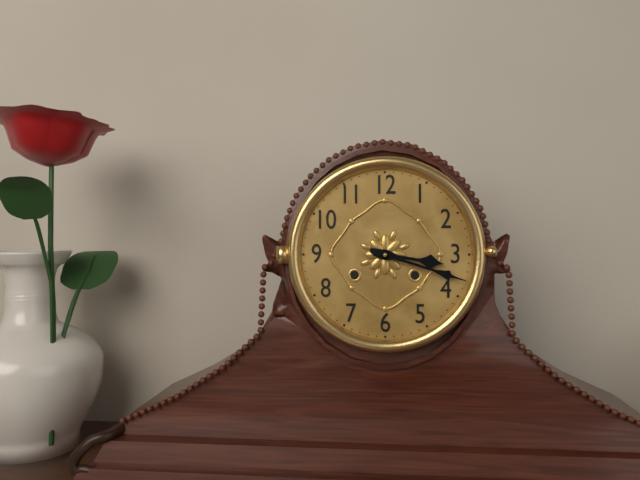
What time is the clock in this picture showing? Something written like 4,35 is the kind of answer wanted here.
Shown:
3,18
